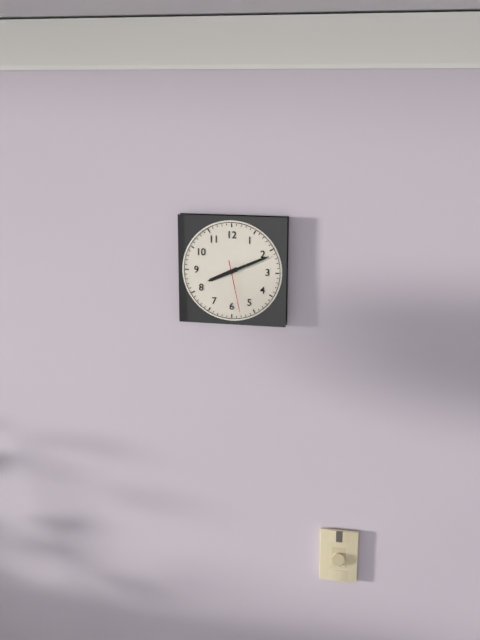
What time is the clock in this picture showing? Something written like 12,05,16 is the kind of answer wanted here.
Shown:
8,11,28
